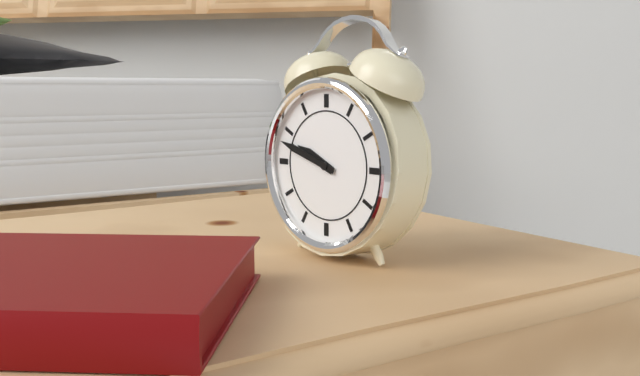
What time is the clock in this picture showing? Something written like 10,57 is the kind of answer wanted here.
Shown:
9,48
